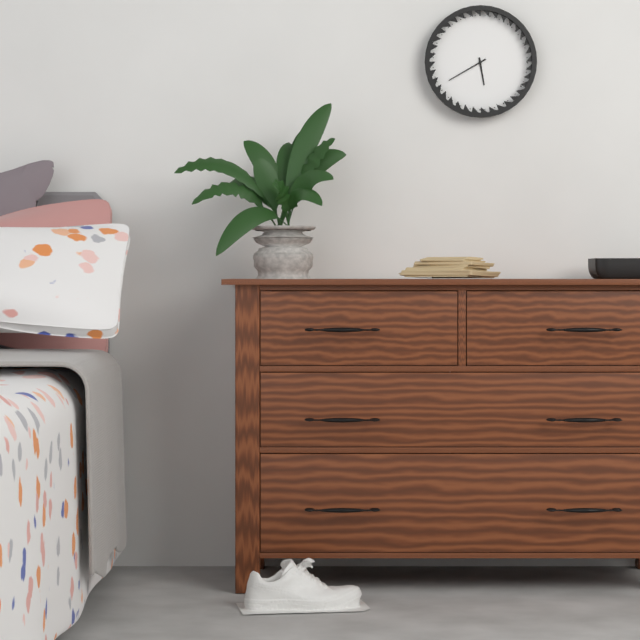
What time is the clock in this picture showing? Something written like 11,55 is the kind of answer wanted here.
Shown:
5,40
